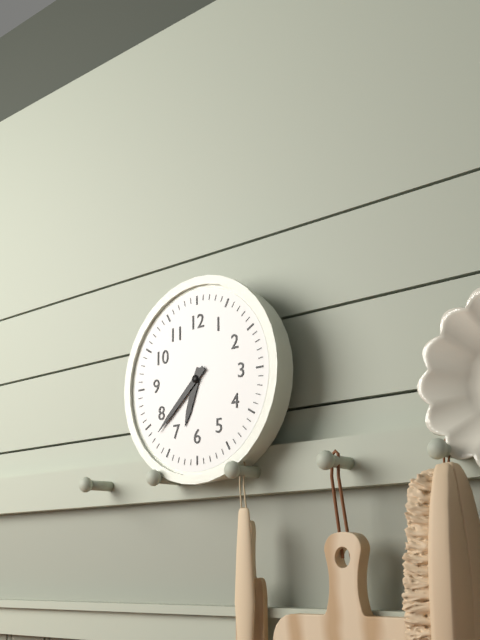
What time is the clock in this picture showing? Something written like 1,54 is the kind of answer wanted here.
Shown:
6,38
